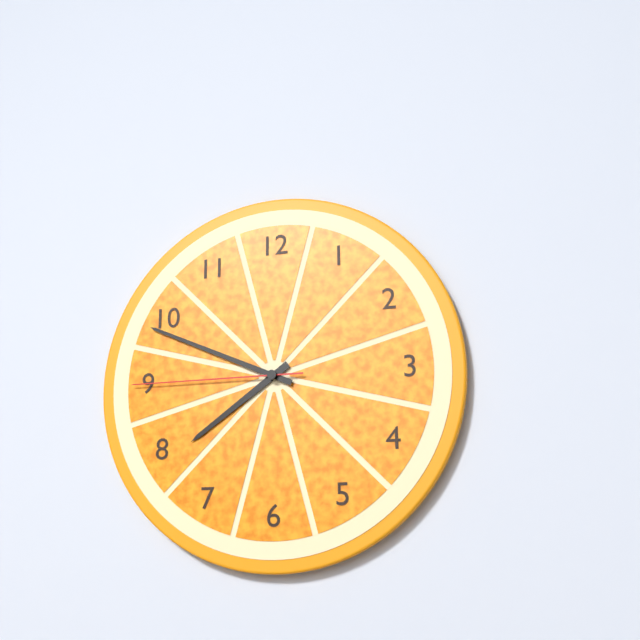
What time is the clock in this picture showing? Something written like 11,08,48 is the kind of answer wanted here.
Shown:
7,49,45
